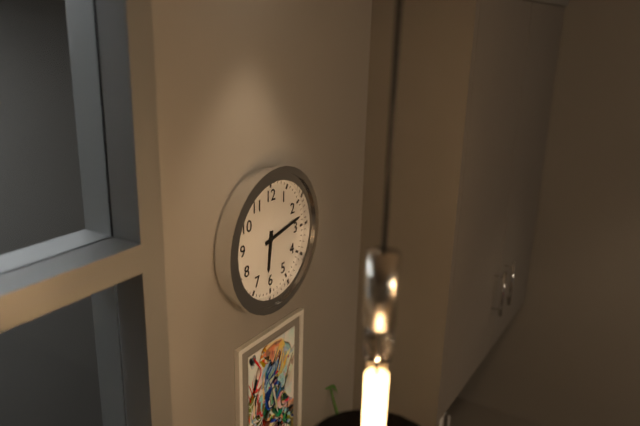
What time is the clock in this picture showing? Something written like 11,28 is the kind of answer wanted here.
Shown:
6,13
